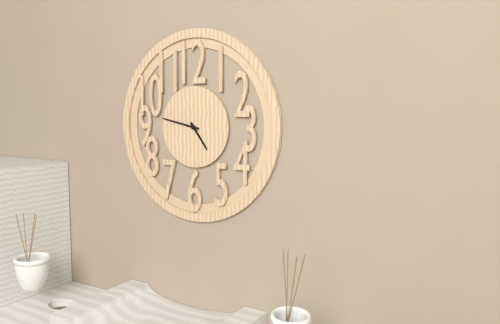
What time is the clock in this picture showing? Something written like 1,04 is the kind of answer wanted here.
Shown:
4,47
